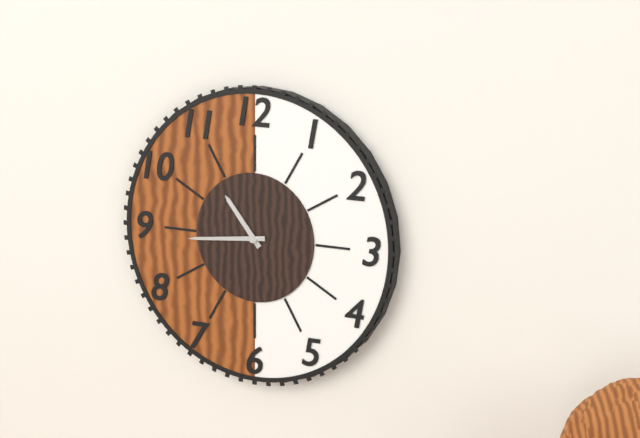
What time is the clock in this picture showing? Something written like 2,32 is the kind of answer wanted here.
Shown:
10,44
